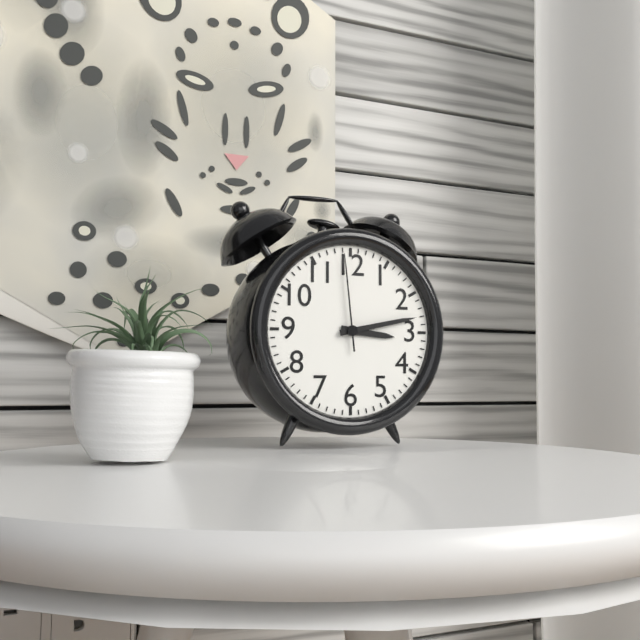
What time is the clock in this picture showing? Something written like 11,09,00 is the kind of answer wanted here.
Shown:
3,13,59
